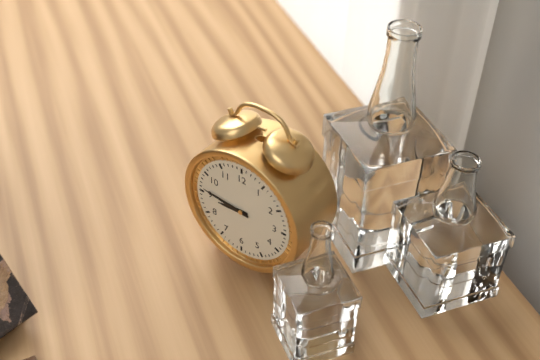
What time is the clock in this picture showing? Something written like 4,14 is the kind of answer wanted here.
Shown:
8,46
